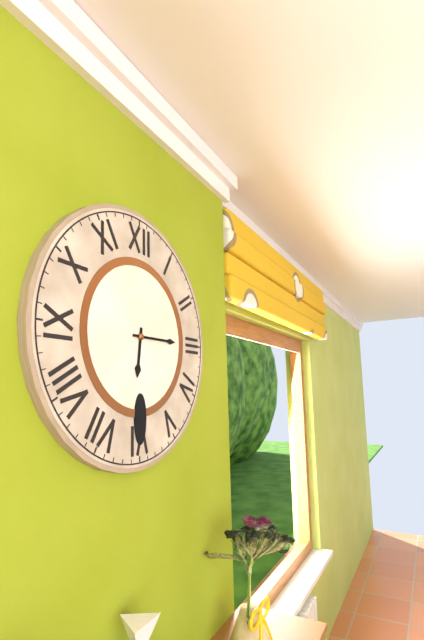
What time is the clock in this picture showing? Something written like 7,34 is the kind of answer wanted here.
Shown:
6,15
